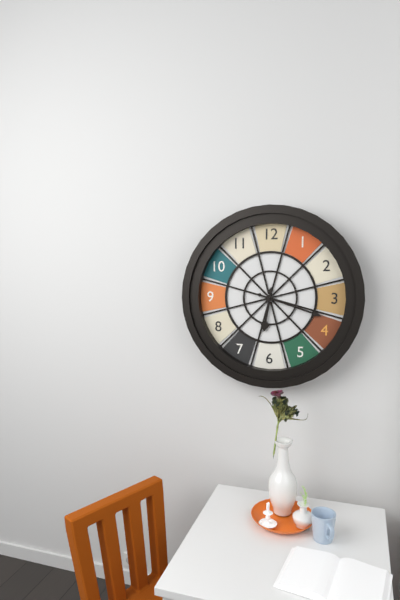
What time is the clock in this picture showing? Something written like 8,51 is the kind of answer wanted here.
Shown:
6,18
